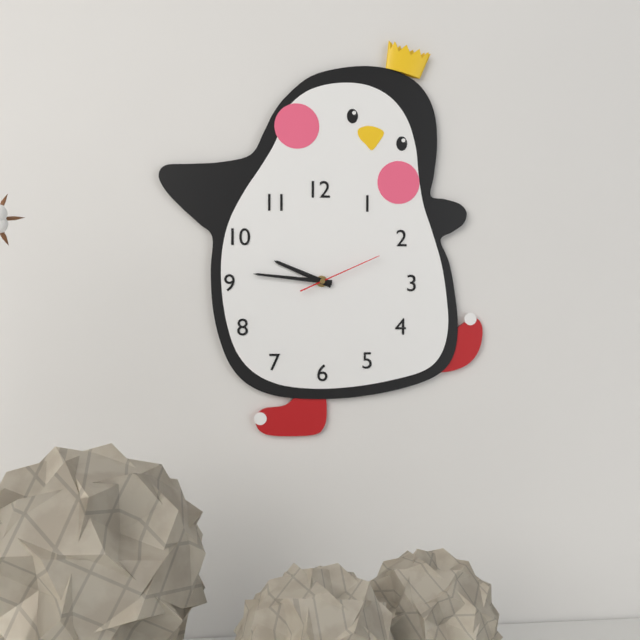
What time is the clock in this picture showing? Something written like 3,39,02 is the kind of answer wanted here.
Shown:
9,46,11
